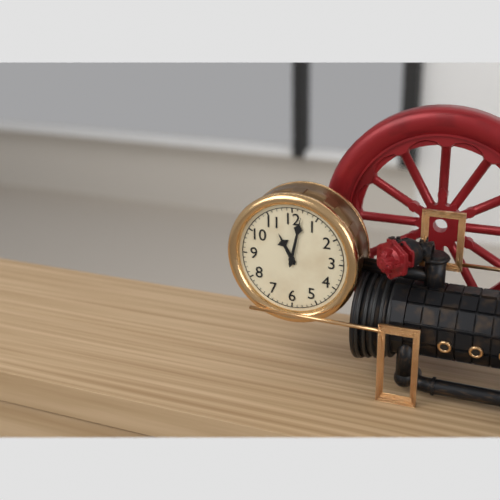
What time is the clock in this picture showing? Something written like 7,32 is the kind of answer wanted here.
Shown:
11,02
